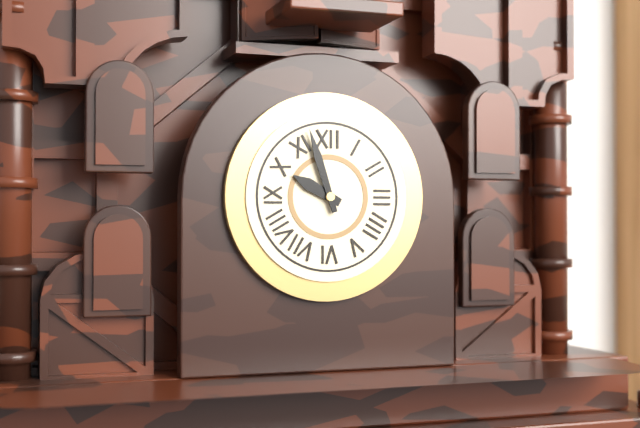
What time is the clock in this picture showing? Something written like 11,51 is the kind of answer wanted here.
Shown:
9,57
